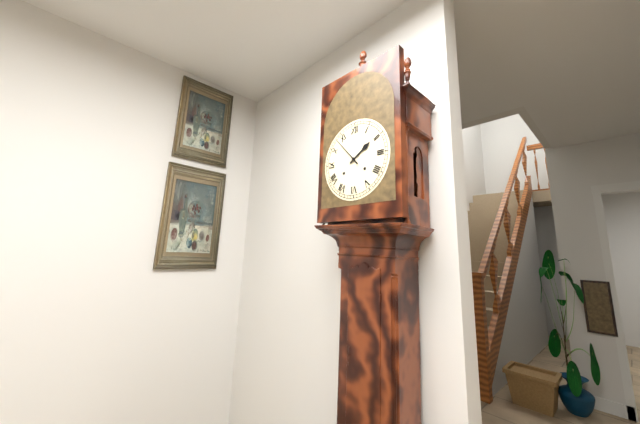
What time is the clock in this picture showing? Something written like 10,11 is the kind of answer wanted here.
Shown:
1,53
